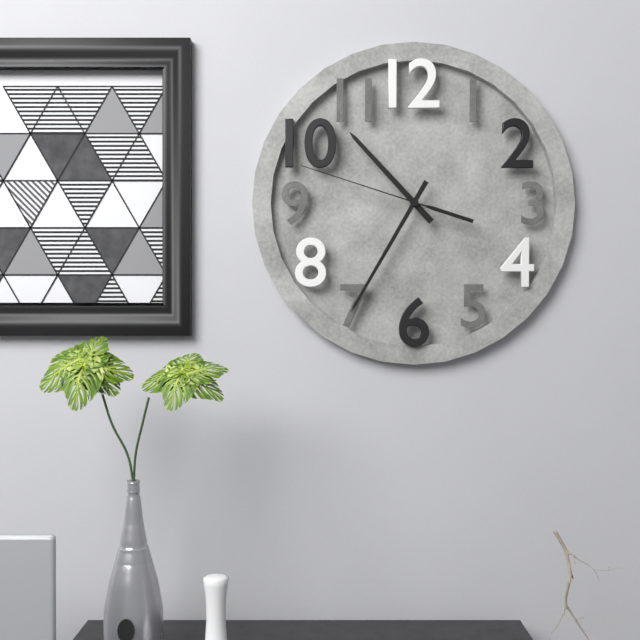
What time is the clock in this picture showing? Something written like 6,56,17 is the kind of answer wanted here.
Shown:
10,35,48
